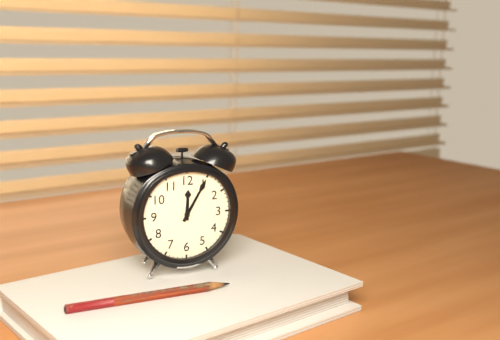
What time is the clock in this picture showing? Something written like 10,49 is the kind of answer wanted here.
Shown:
12,05
